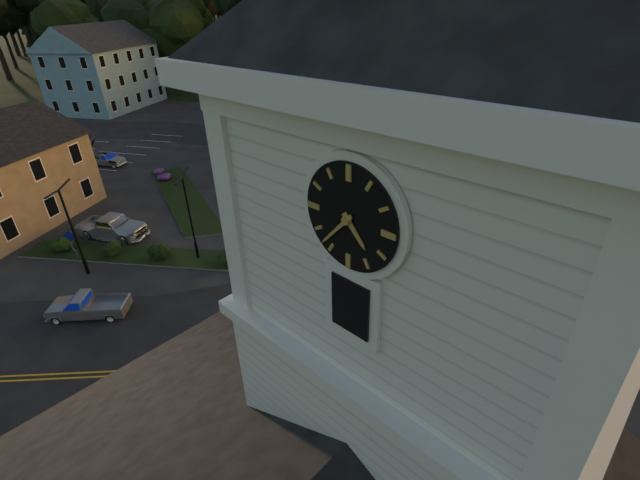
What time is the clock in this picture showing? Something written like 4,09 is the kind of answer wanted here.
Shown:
4,37
